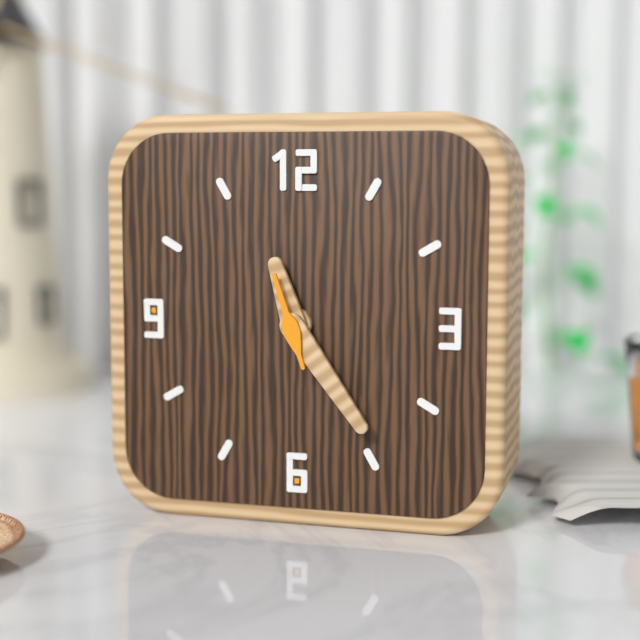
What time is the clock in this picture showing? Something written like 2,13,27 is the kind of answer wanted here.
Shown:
11,24,57
